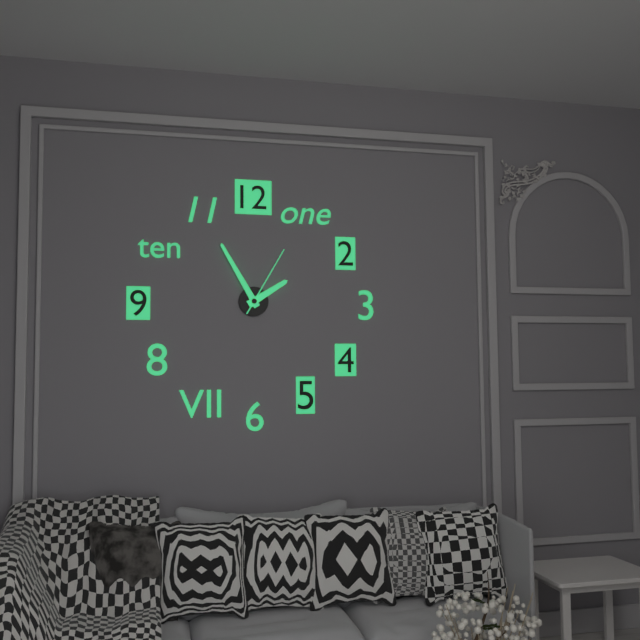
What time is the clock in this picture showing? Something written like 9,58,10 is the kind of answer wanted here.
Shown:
1,55,05
